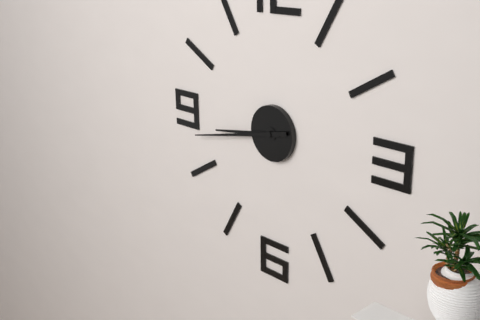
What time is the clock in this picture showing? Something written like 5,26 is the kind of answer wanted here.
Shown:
8,43
